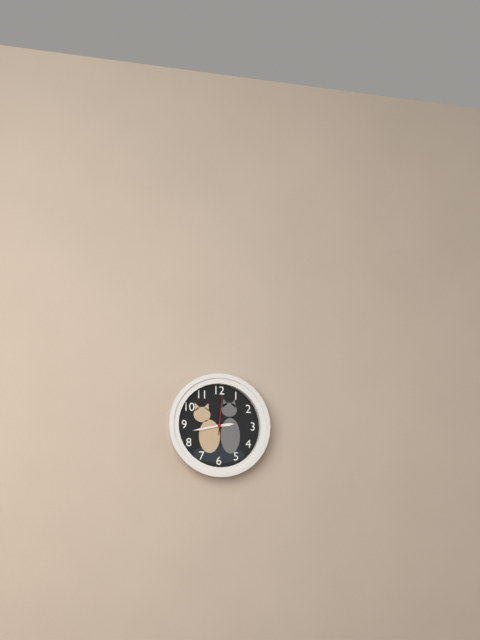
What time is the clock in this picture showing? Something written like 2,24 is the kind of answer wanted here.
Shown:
2,43
